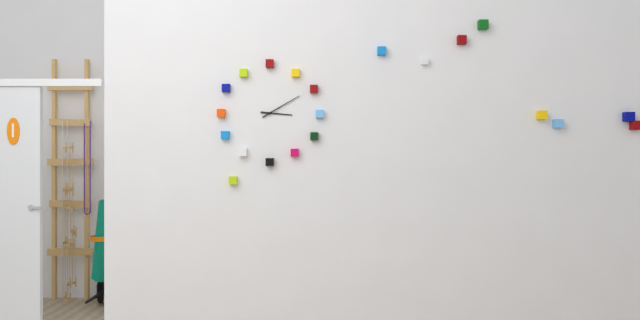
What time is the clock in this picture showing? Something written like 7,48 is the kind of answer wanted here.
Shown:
3,10
